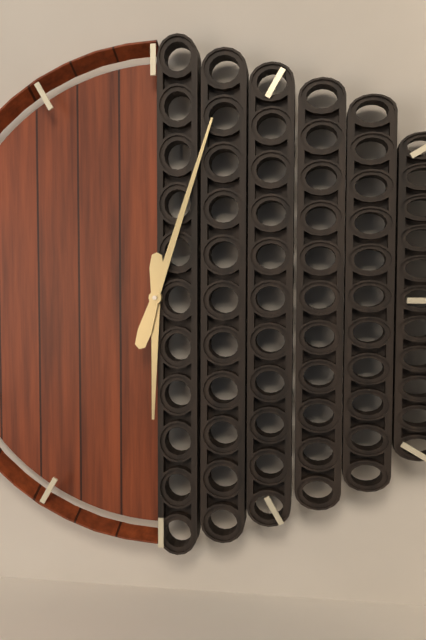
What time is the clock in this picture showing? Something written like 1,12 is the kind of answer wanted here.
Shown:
6,03
